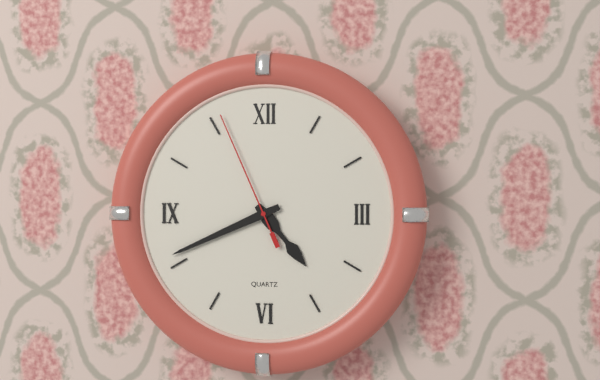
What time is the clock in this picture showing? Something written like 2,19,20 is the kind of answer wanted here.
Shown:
4,41,56
